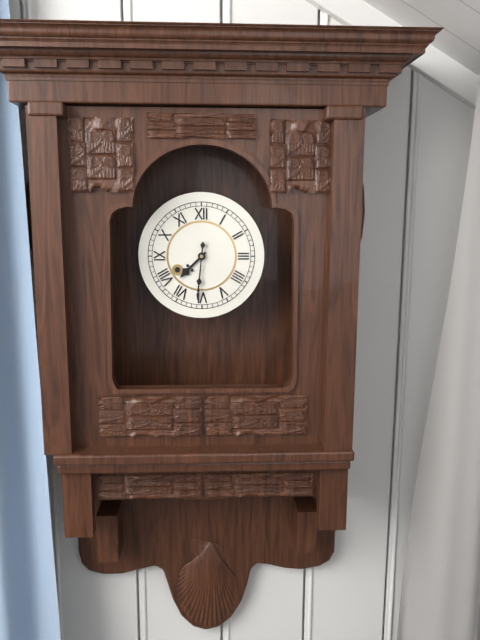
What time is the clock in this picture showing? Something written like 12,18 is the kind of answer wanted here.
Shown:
7,31
